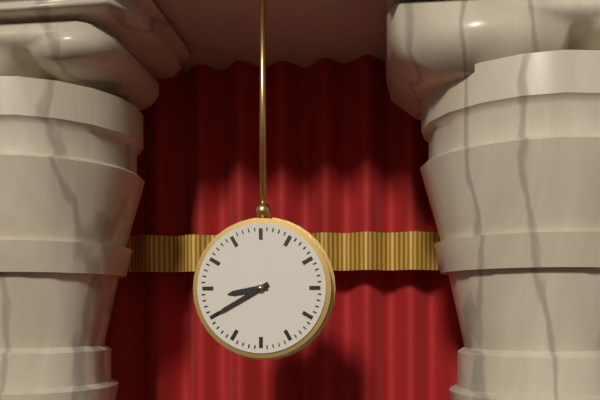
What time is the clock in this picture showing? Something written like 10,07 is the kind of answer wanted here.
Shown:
8,40
